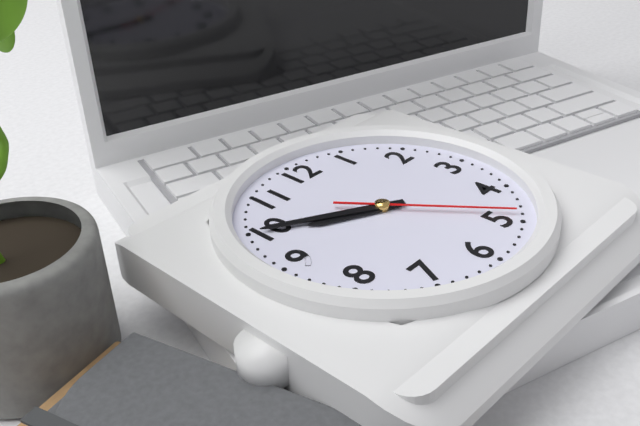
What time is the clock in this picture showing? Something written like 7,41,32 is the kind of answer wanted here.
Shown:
9,50,24
